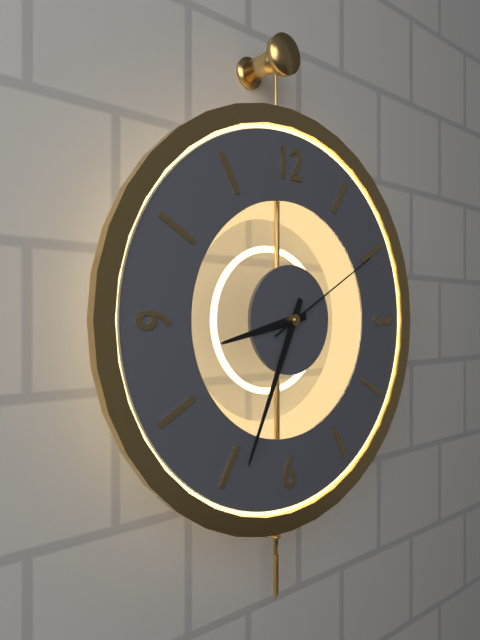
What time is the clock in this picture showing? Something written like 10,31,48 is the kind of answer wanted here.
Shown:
8,34,10
